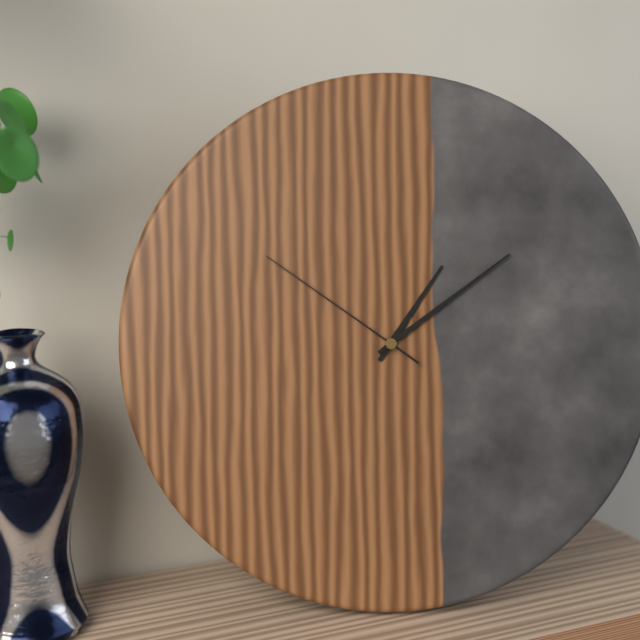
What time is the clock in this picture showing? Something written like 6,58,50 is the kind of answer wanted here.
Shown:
1,09,51
